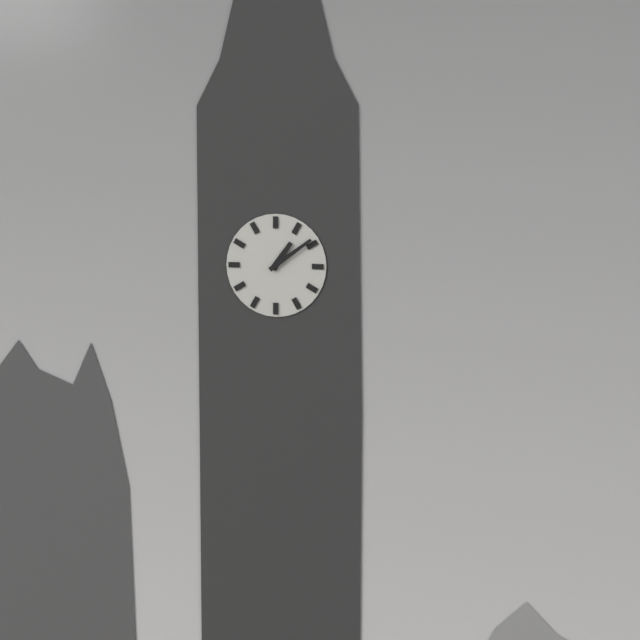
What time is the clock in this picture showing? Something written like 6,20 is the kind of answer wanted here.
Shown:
1,09
